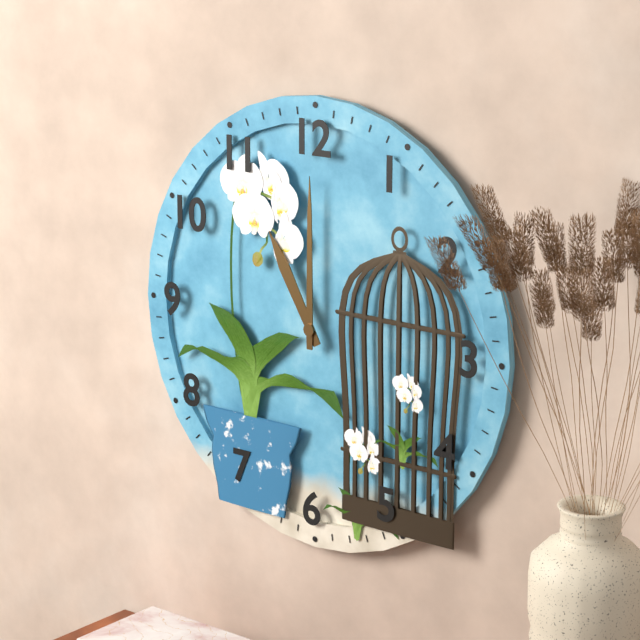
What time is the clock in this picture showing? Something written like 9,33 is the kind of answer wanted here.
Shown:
11,00
